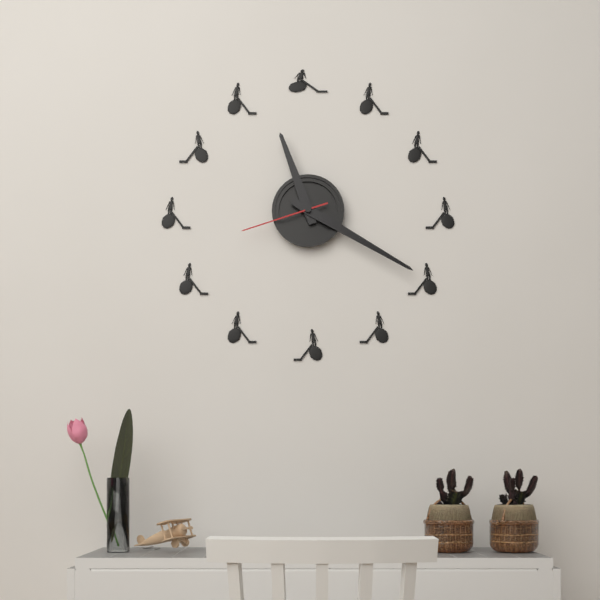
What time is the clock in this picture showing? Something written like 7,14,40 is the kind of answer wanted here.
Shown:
11,20,42
